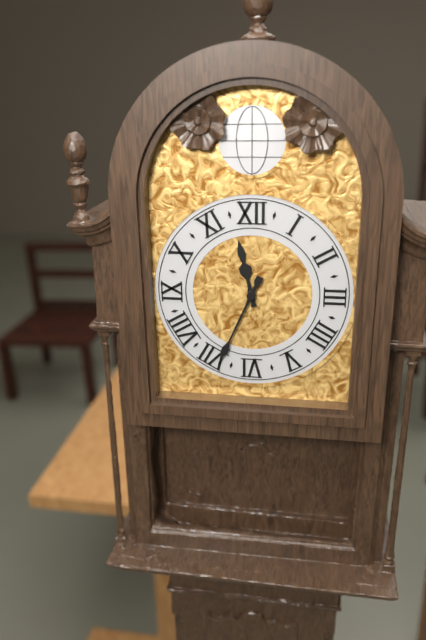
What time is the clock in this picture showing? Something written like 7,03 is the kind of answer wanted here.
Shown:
11,34
